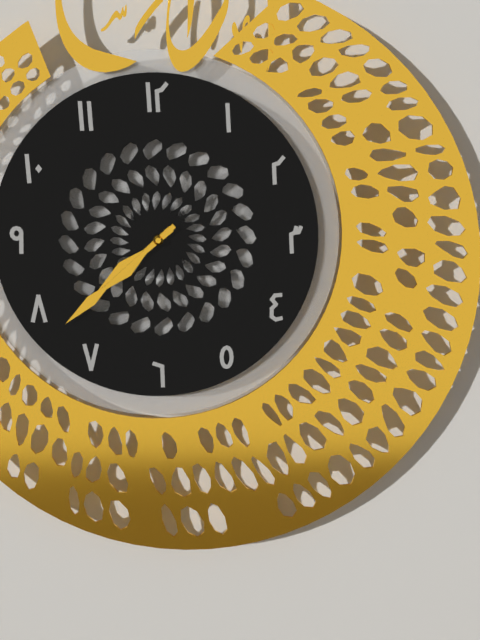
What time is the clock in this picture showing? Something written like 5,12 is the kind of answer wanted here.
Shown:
7,38
